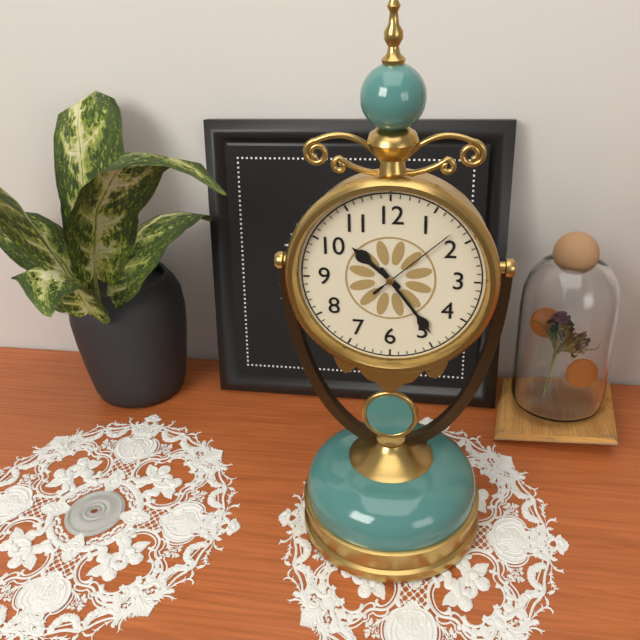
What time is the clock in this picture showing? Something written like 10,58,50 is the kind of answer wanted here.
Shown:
10,24,08
